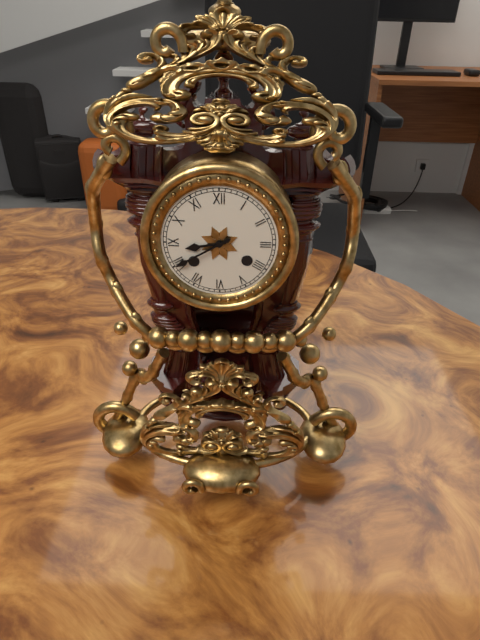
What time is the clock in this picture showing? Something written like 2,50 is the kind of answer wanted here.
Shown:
8,40
